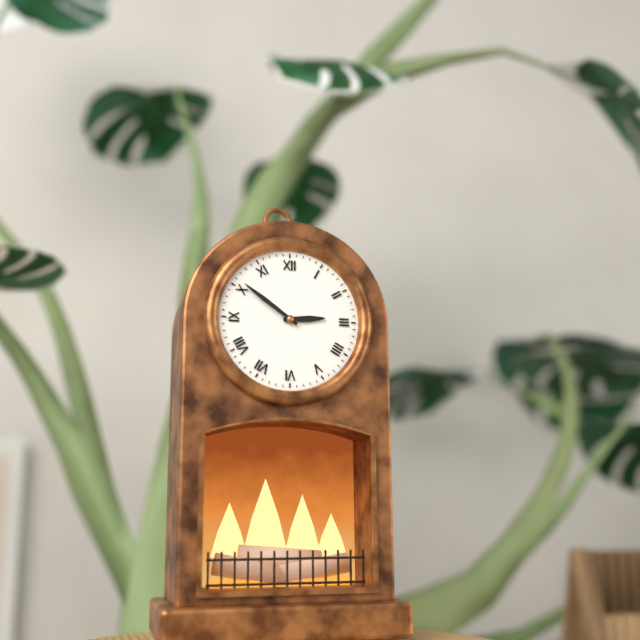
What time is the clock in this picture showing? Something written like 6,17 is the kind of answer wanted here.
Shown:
2,51
